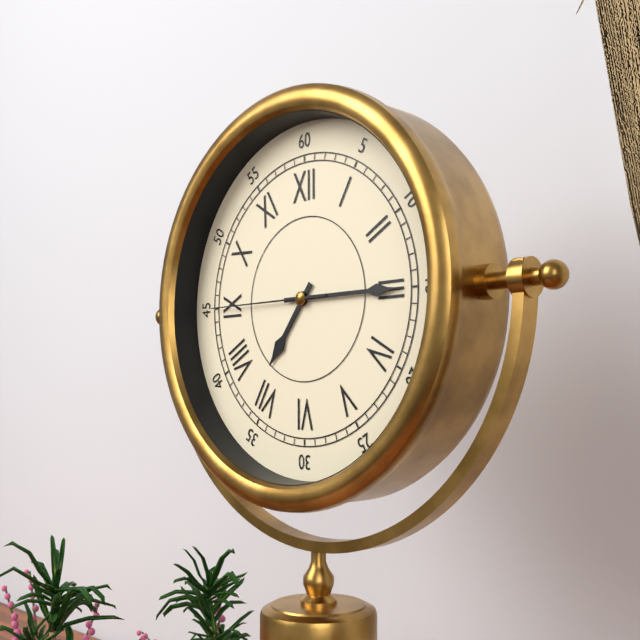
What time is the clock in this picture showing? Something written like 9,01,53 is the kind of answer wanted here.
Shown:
7,15,45
